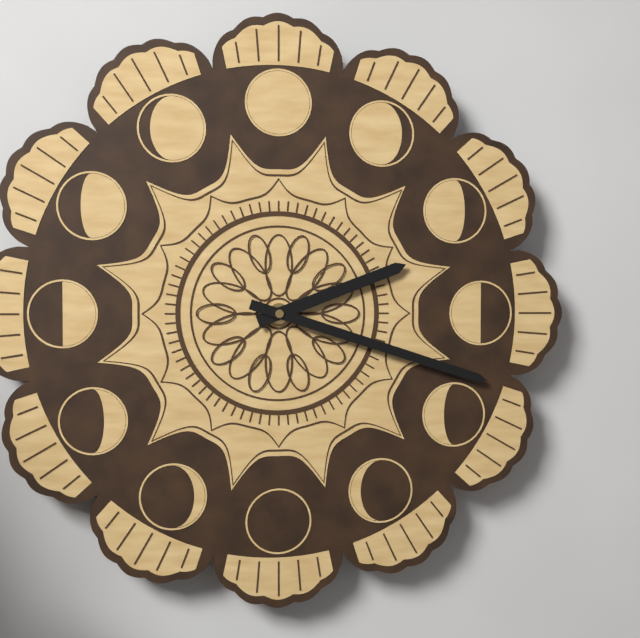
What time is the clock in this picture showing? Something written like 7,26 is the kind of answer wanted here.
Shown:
2,18
